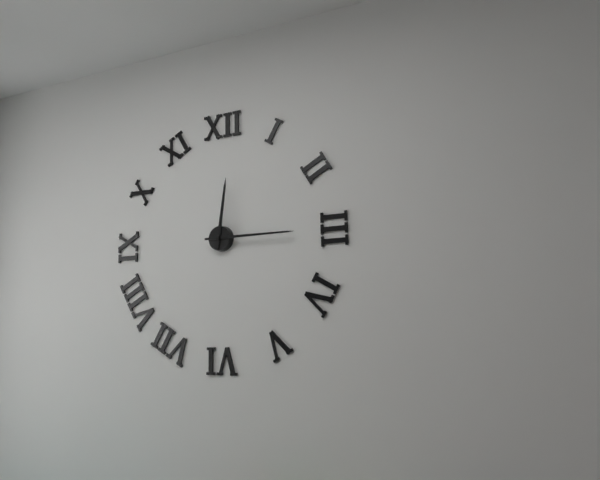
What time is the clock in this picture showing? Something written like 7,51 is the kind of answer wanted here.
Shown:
12,15
